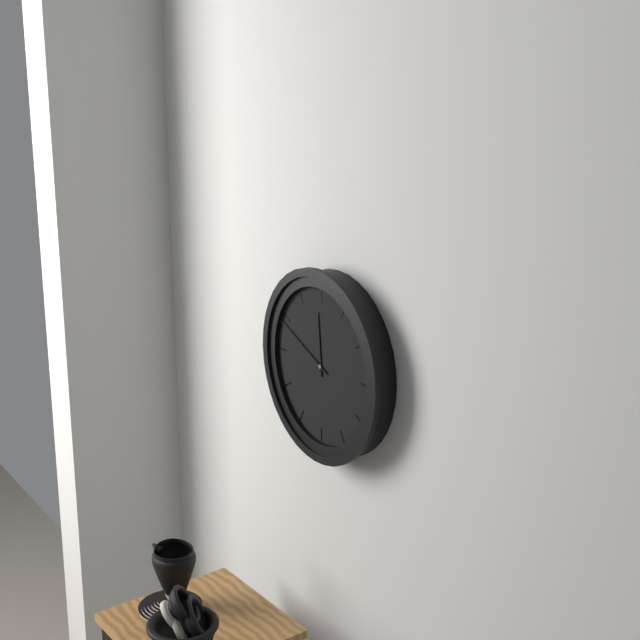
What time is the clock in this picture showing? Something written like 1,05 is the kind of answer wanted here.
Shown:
11,49
